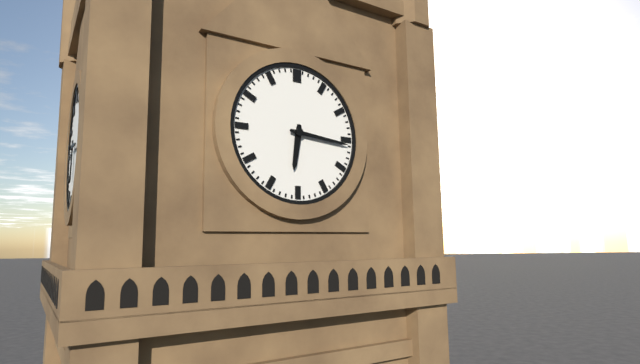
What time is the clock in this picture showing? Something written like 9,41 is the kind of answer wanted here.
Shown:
6,16
